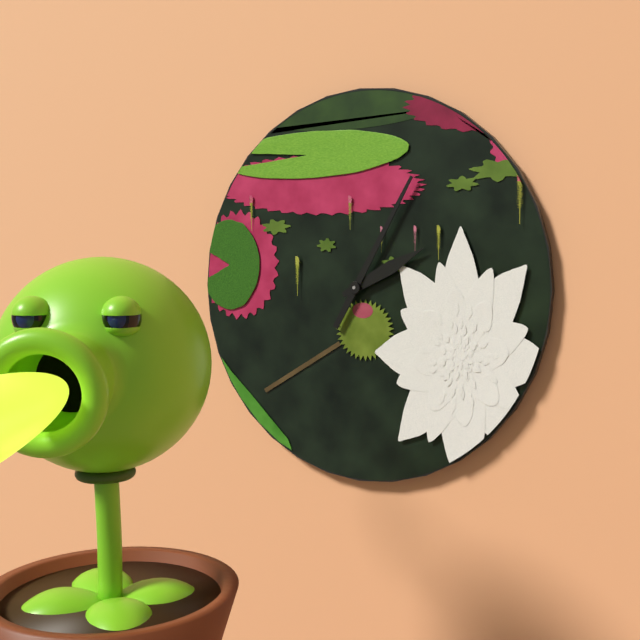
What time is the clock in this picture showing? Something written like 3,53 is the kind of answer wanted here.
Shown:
2,05
